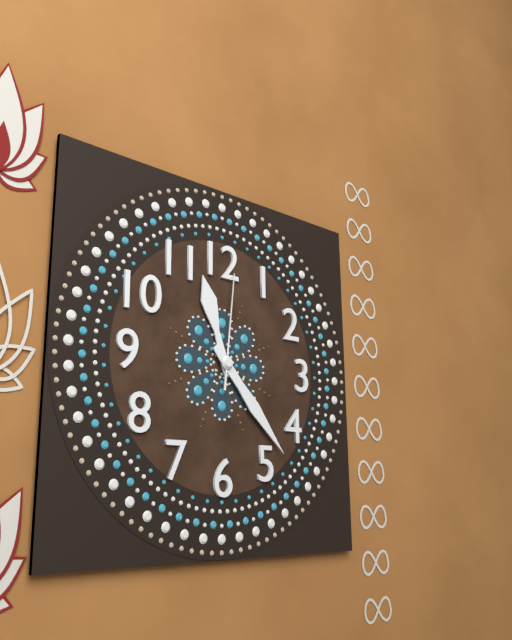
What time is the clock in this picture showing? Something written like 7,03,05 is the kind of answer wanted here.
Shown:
11,23,01
